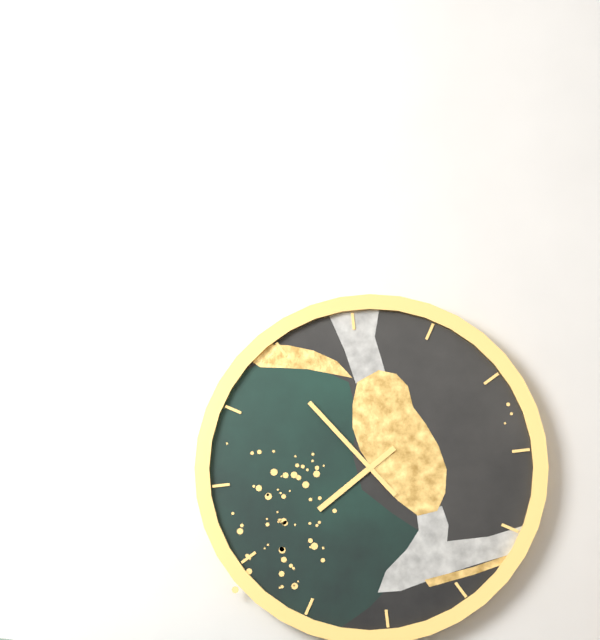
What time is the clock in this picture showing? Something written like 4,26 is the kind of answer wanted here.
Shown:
7,54
